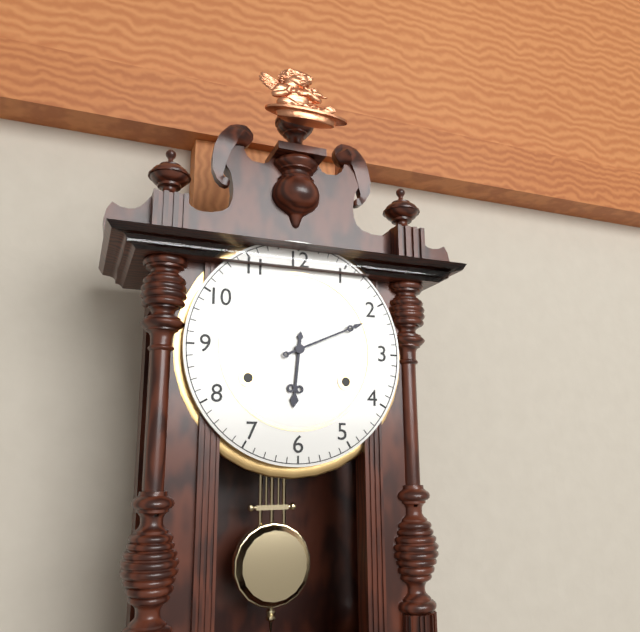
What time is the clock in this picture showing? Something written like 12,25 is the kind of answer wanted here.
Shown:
6,11
